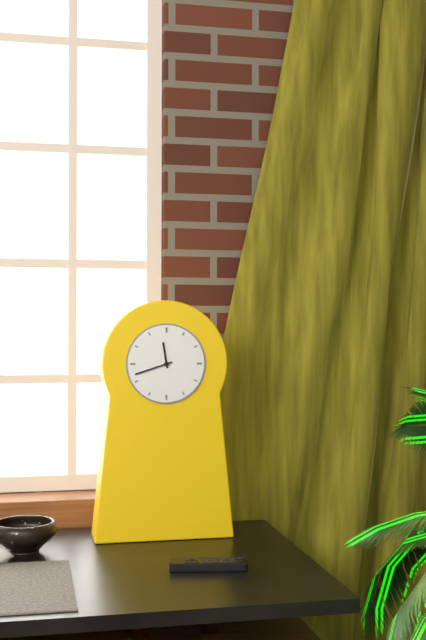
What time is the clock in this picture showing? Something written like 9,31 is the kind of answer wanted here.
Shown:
11,42
